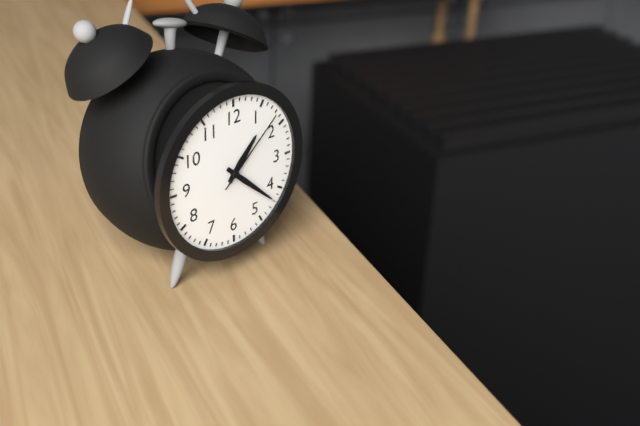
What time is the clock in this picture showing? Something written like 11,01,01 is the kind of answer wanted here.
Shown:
1,22,08
